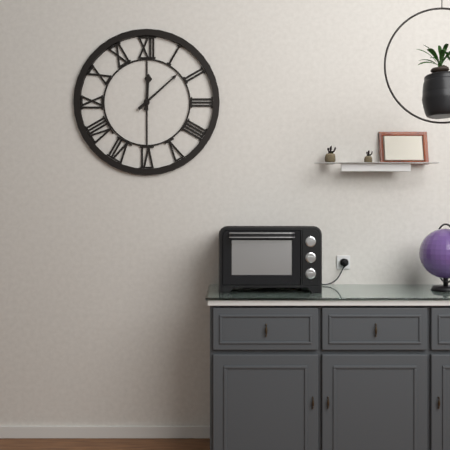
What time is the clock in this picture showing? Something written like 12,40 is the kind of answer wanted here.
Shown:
12,08
